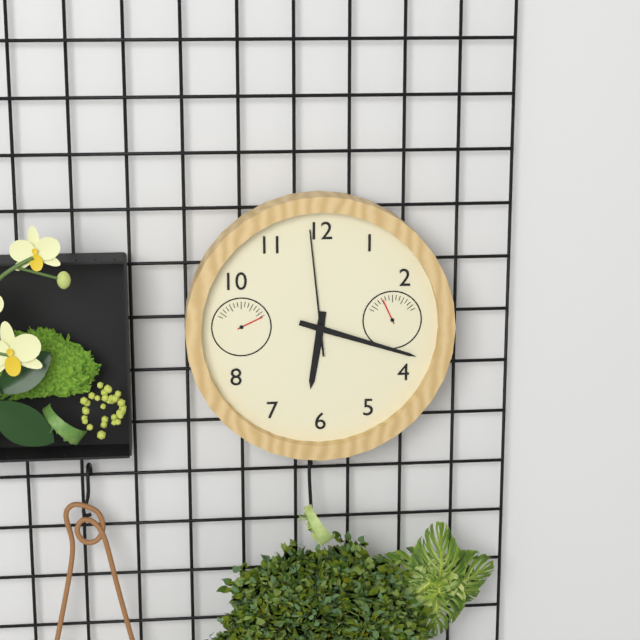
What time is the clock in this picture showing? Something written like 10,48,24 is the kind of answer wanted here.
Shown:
6,18,59
